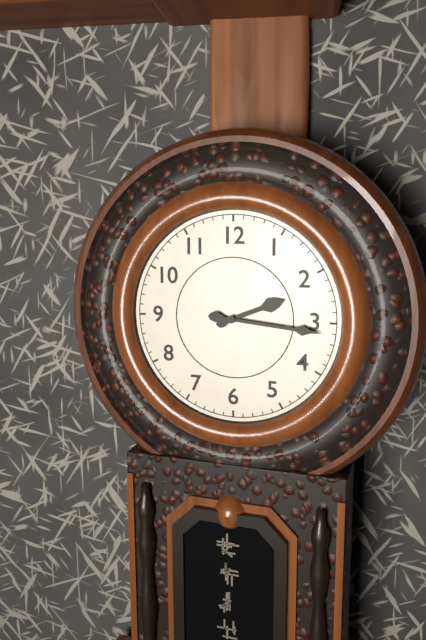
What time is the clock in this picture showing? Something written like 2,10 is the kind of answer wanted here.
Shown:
2,16
